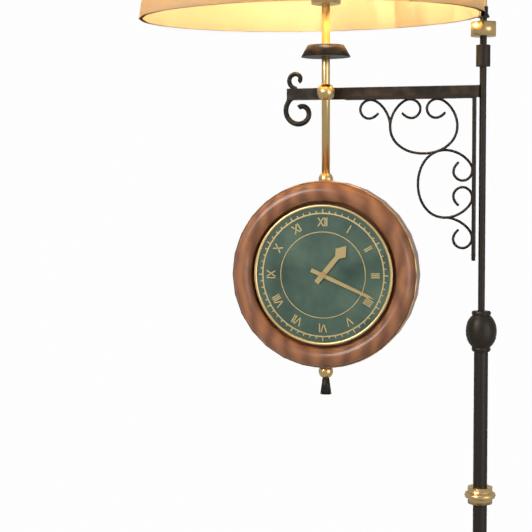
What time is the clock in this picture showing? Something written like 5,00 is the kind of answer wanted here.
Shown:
1,19
